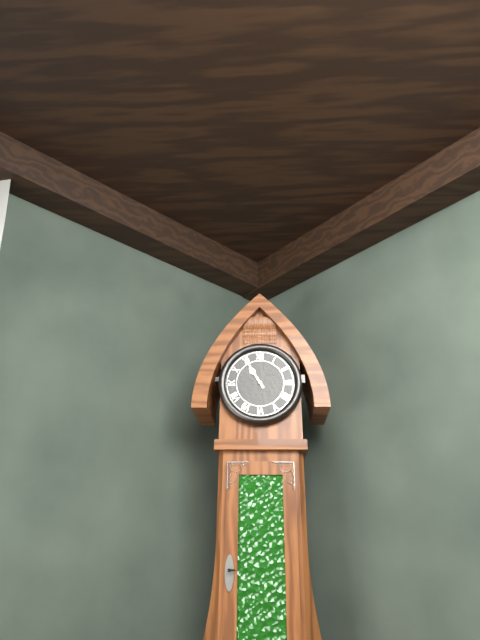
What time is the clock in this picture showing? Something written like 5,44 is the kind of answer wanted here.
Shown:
10,55
